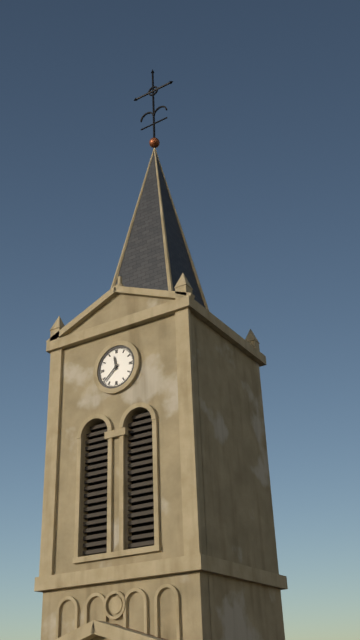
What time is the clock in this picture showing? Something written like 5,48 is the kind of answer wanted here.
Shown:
11,38
